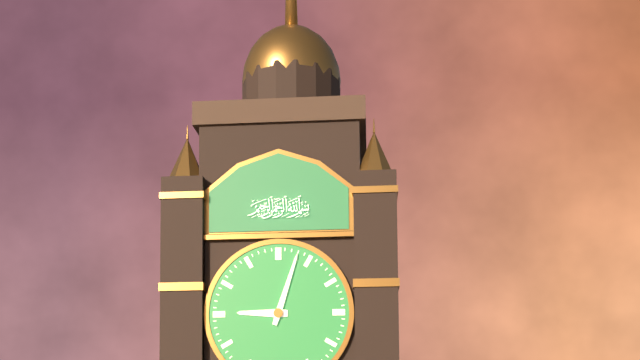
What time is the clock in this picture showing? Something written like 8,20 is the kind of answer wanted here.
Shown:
9,03
